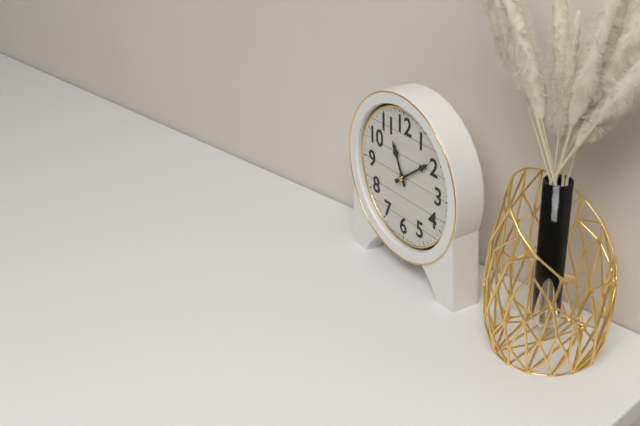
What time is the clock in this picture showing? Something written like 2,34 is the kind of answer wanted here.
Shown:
11,09
